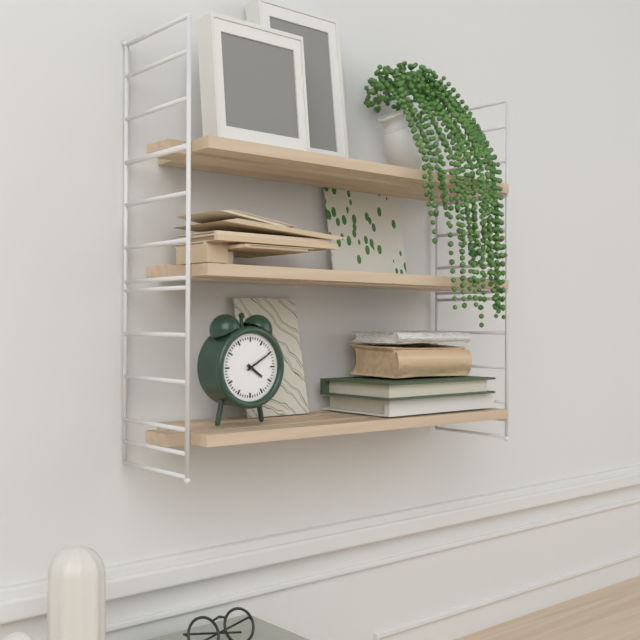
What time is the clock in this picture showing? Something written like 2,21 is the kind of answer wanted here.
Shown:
4,10
